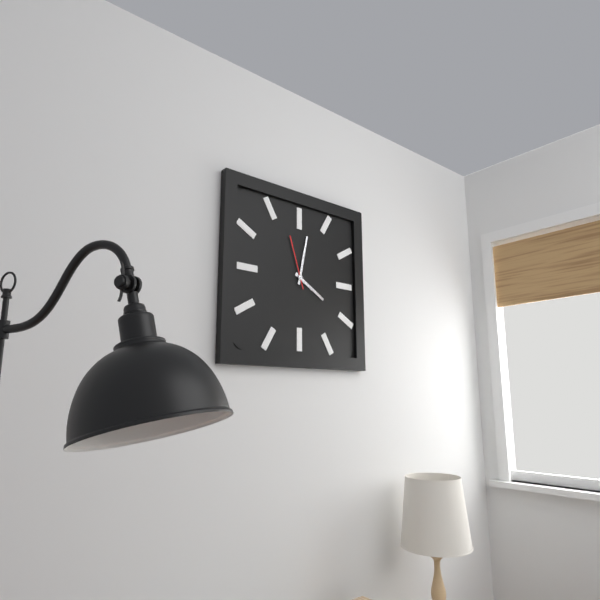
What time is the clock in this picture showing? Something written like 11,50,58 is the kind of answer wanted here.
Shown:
4,02,57
